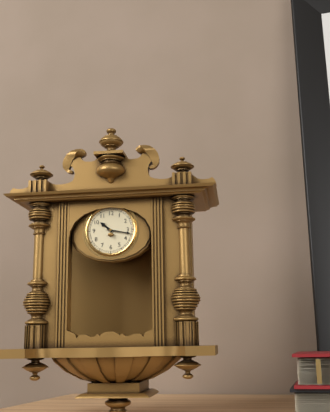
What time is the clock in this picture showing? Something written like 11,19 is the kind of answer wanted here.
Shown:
10,17
